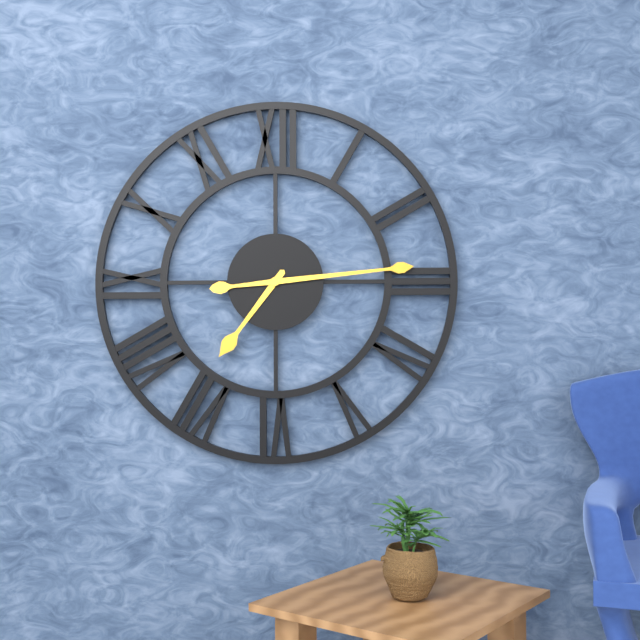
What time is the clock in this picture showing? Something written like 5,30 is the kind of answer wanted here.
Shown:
7,14
